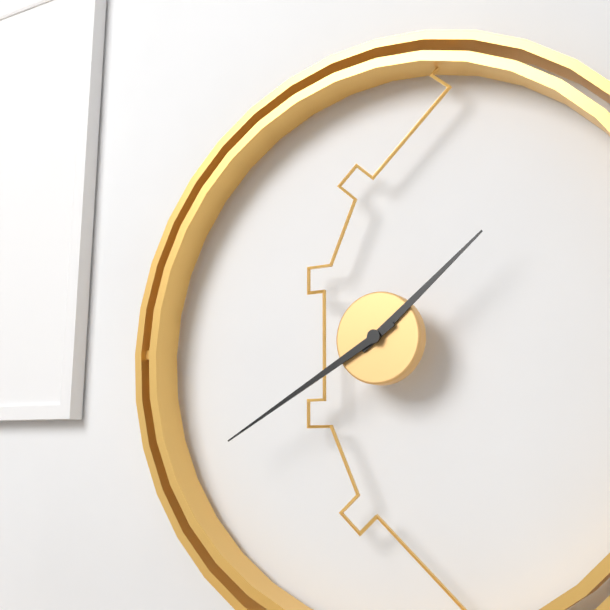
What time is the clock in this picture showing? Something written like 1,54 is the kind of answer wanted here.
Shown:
1,40
